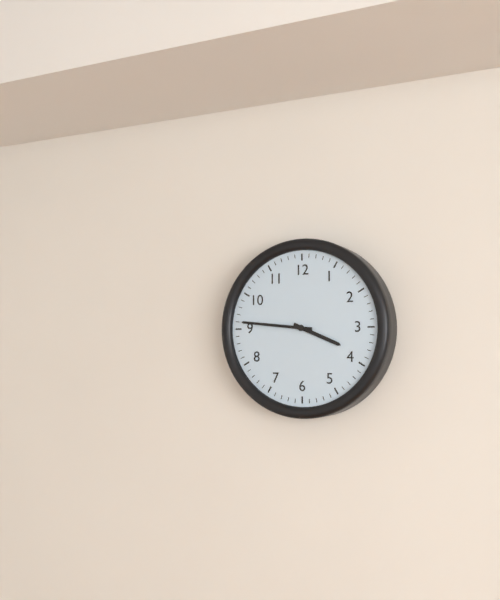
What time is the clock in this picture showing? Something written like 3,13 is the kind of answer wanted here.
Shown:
3,46
